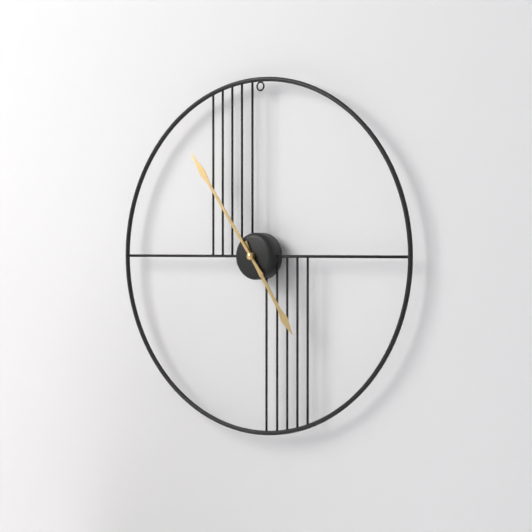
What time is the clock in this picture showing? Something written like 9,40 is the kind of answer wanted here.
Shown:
4,54
